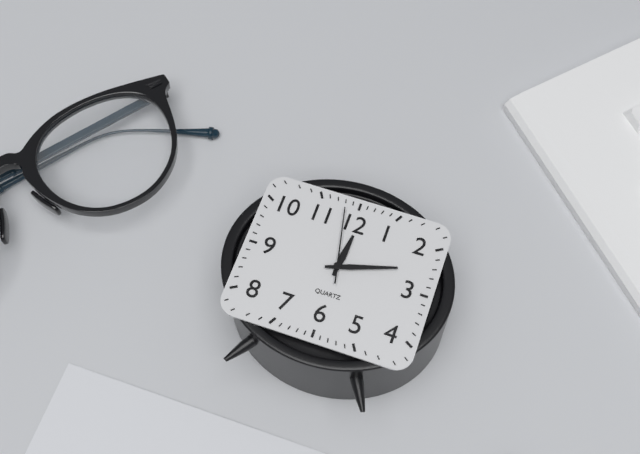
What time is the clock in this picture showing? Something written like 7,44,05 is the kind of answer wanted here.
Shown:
12,12,58
